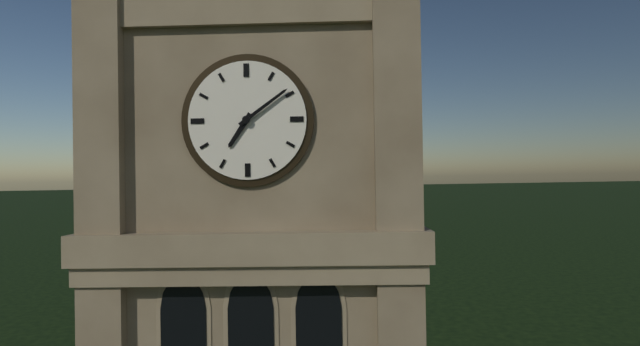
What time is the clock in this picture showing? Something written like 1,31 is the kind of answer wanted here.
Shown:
7,09
